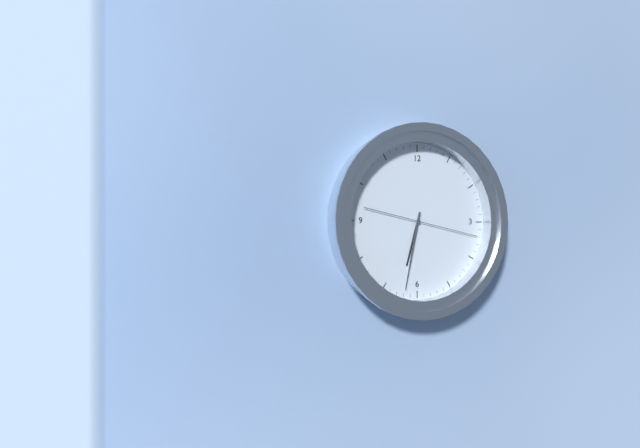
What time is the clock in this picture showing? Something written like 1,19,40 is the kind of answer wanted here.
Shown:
6,32,17
